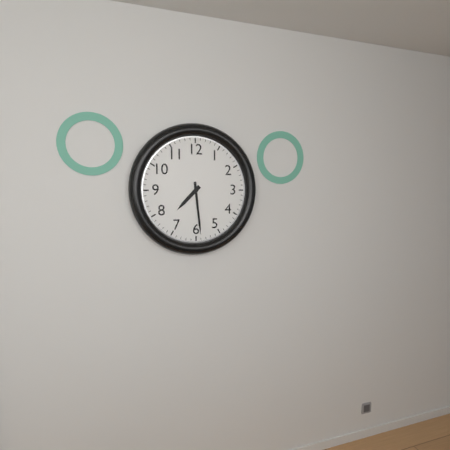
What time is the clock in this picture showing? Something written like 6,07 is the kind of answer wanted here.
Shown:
7,29
